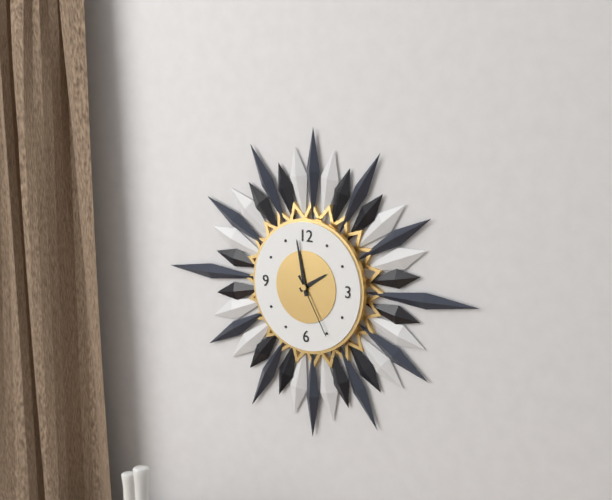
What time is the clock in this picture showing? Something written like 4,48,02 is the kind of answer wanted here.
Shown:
1,58,25
